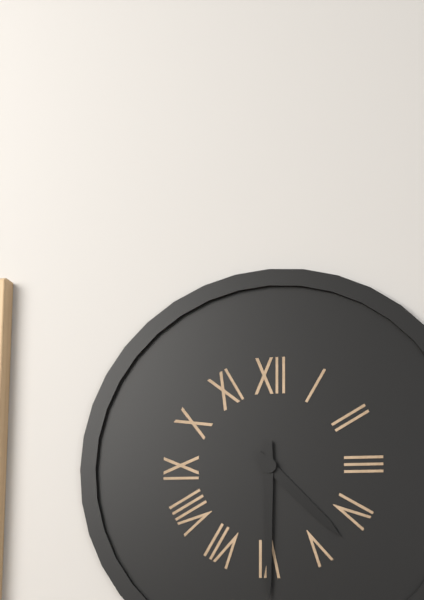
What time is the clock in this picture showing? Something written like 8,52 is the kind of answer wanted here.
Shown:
4,30
